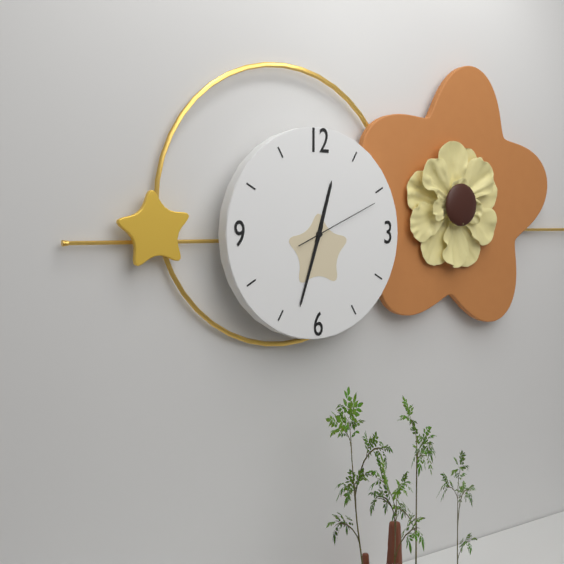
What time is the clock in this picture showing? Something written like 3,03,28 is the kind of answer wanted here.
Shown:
12,33,11
